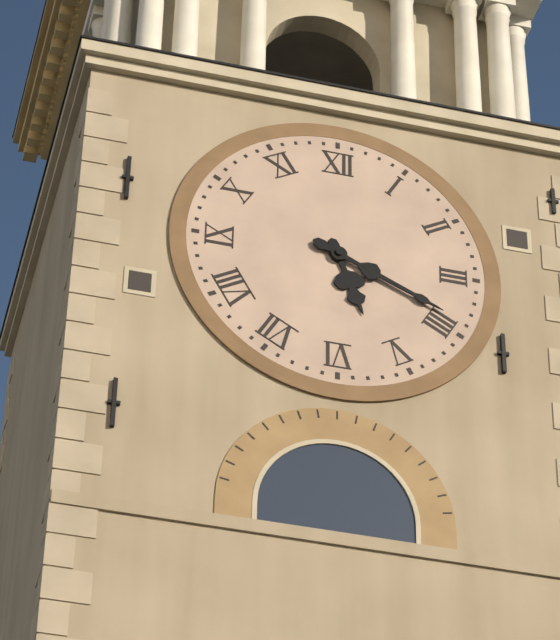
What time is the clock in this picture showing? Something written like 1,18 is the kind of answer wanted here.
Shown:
5,19
